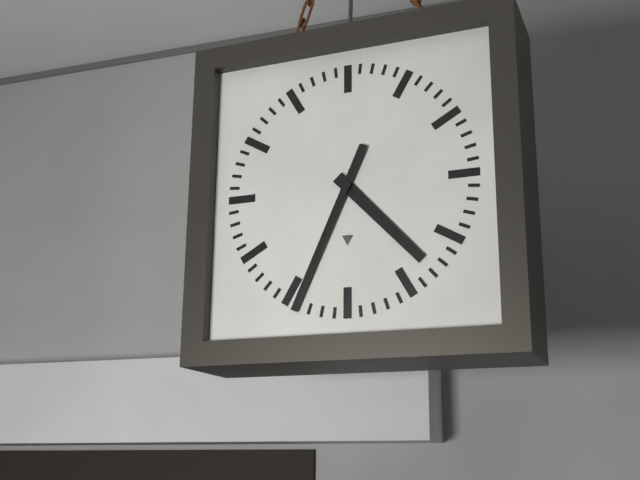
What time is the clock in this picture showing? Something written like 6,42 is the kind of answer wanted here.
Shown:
4,34
